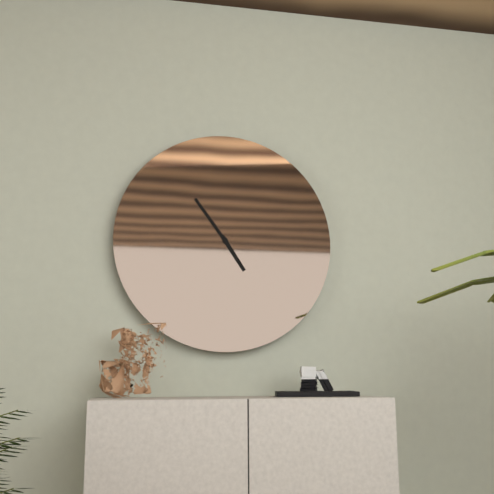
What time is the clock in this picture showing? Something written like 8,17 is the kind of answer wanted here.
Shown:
4,54
